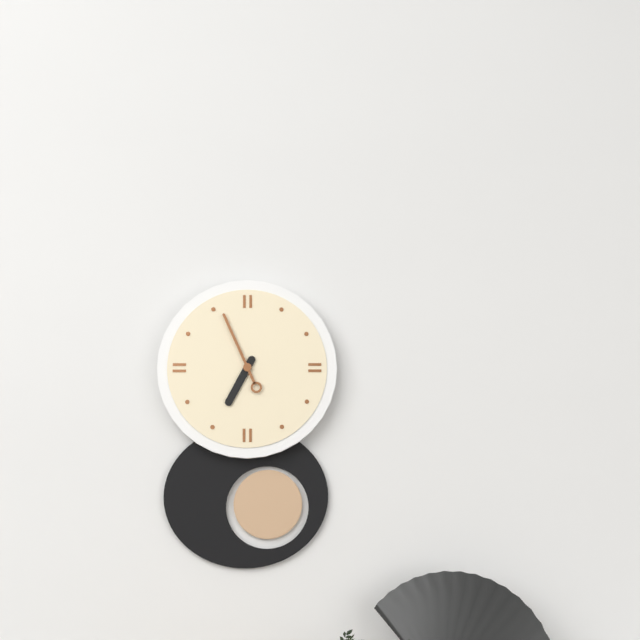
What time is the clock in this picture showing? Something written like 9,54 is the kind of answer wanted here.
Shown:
6,56
